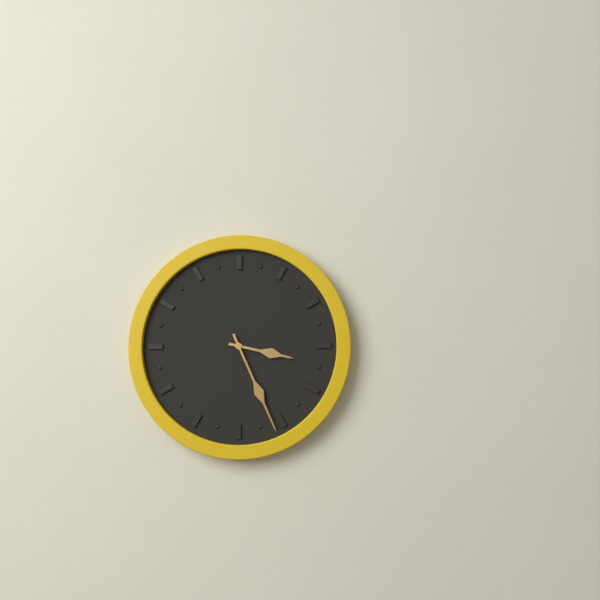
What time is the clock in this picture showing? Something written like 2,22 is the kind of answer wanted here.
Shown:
3,26
